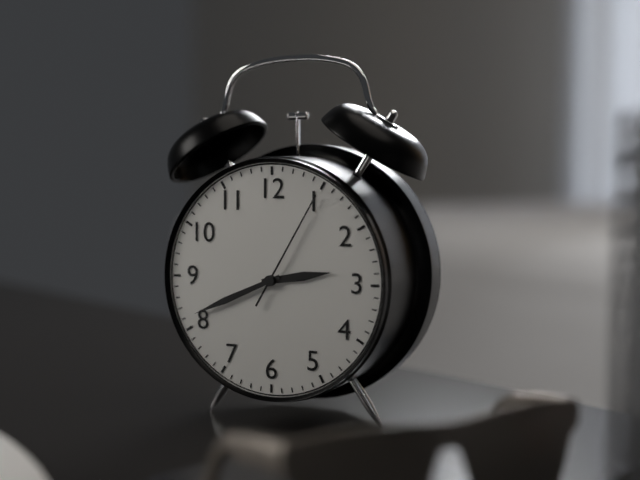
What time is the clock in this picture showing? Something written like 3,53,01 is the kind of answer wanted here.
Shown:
2,41,05
